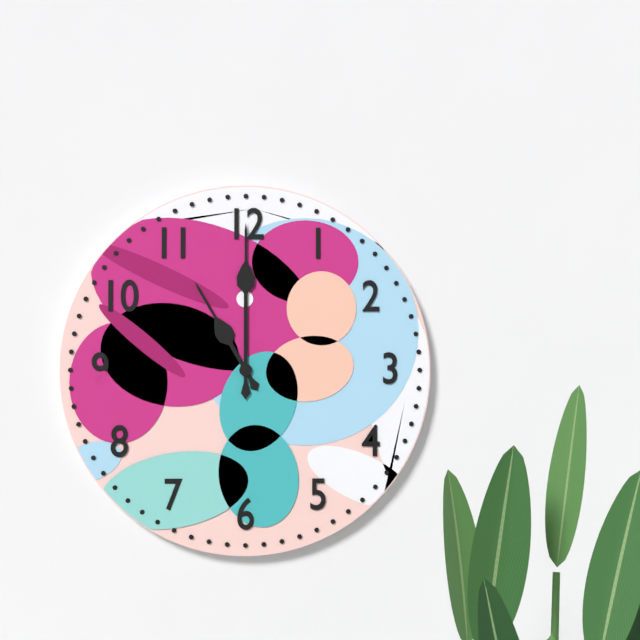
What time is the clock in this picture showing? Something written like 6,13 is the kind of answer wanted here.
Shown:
11,00
